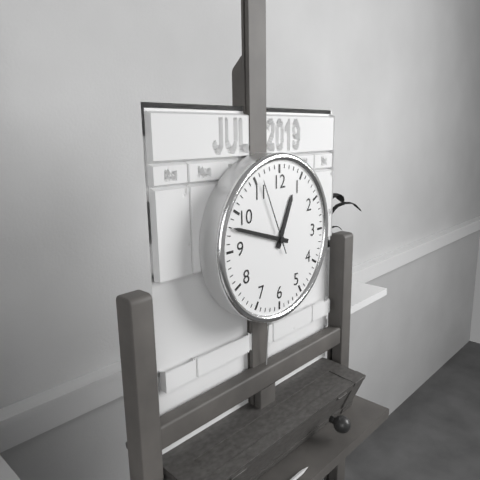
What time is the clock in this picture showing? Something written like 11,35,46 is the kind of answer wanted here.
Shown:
12,48,56
